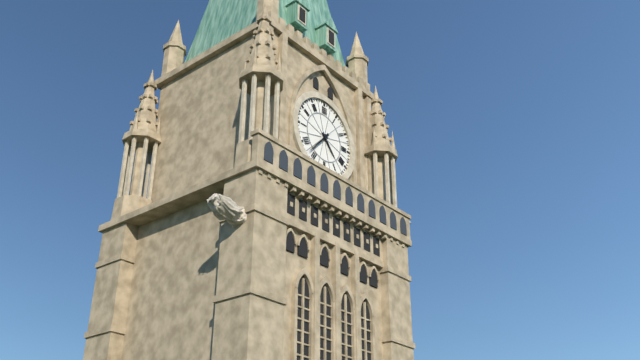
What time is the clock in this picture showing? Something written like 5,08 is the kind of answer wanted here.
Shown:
4,37
